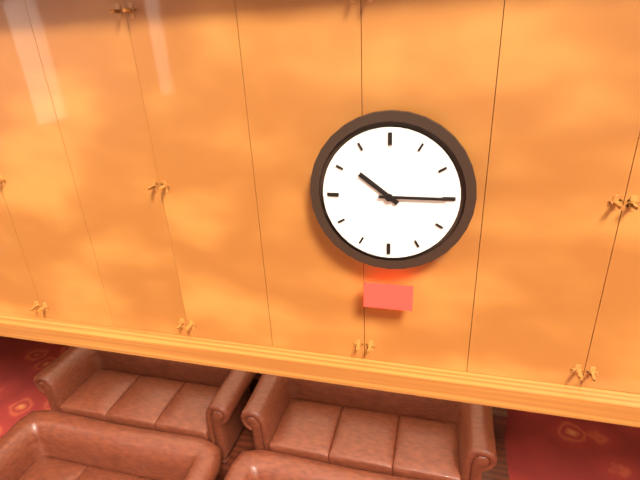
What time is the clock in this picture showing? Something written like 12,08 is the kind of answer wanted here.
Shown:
10,15
